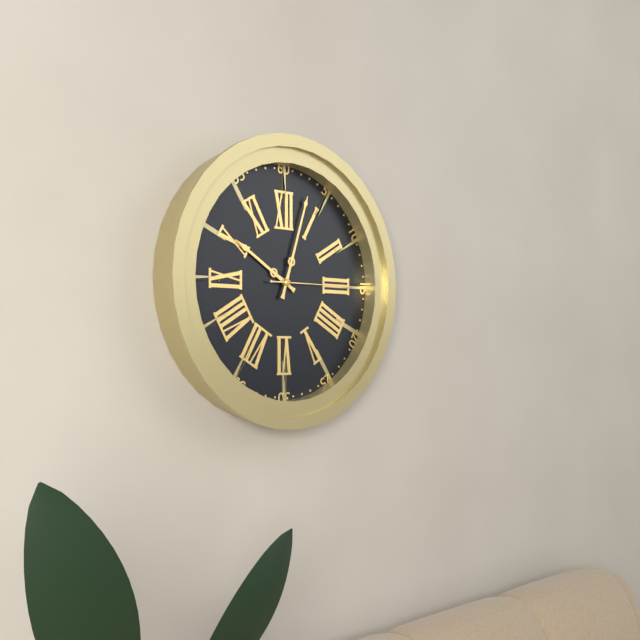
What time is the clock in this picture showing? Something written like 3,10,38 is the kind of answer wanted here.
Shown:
10,03,15
